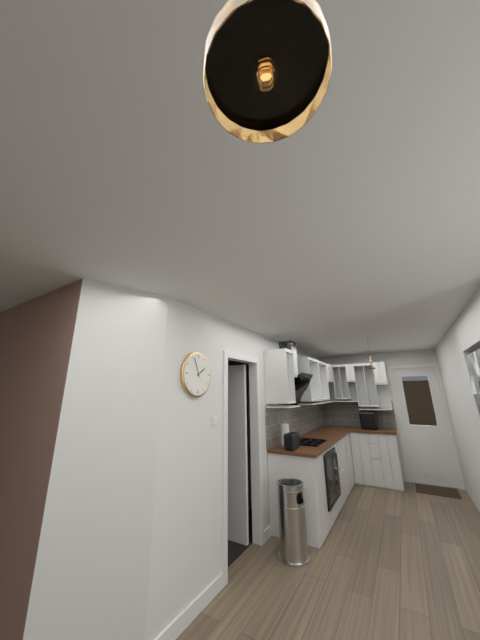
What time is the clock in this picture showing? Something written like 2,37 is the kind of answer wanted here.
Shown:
1,56
